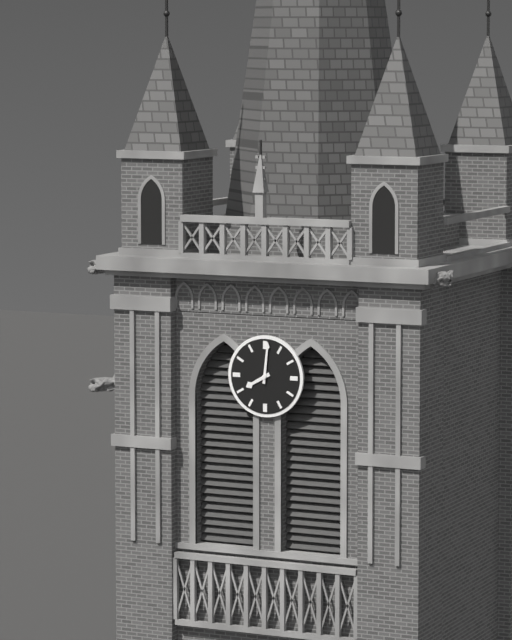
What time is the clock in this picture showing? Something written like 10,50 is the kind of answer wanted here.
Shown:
8,01
